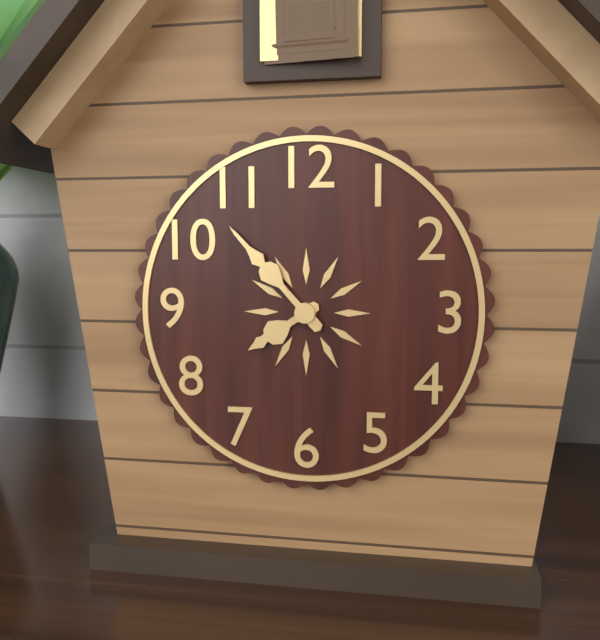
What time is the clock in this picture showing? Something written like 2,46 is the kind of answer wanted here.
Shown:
7,53
